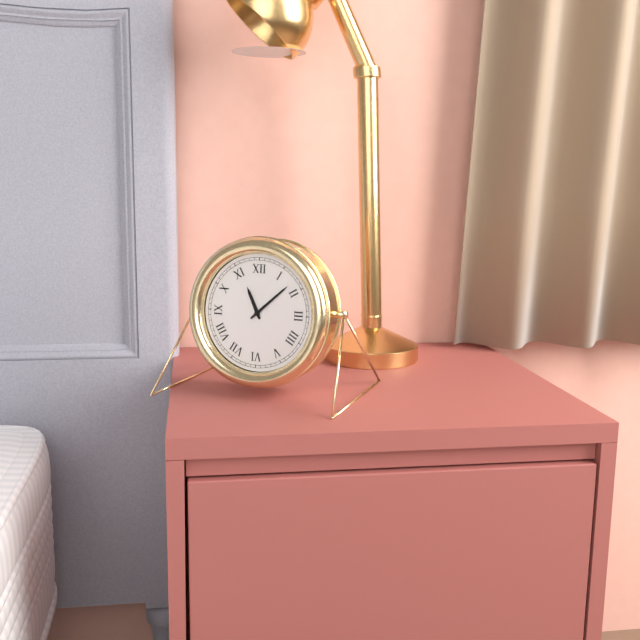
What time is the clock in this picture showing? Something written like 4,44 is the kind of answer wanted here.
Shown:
11,08
